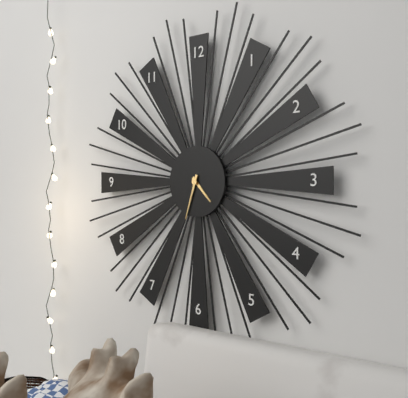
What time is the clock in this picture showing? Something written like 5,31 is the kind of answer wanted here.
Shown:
4,33
